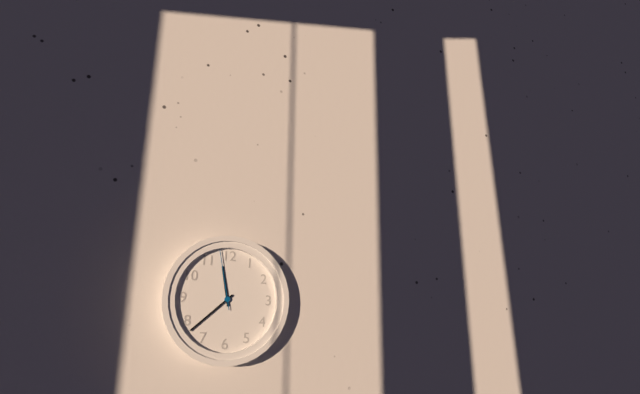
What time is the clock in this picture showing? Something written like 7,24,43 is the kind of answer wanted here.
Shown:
11,38,58
